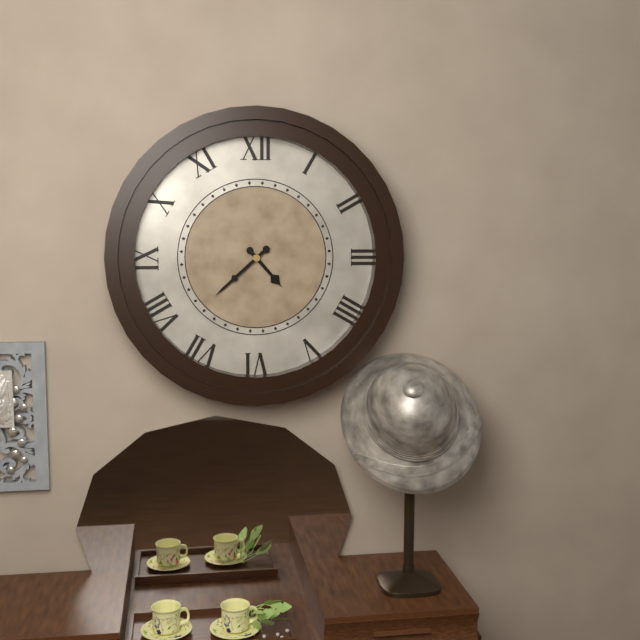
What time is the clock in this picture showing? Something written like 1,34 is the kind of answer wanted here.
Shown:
4,38
